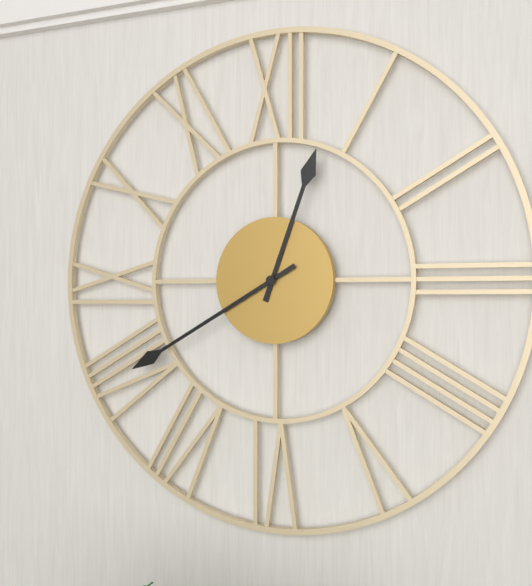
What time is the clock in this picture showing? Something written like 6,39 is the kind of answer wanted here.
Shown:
12,40
